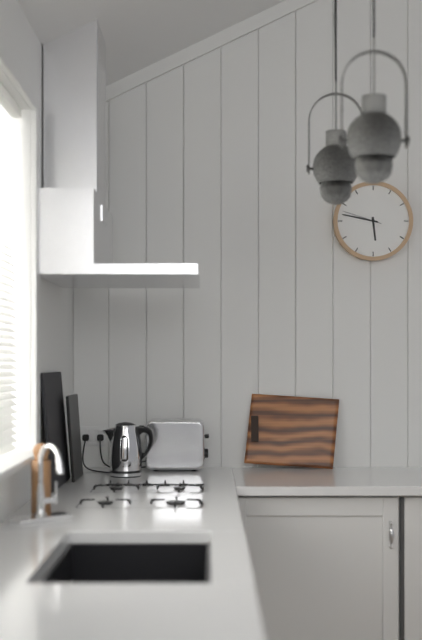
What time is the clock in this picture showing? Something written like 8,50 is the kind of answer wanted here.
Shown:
5,47
